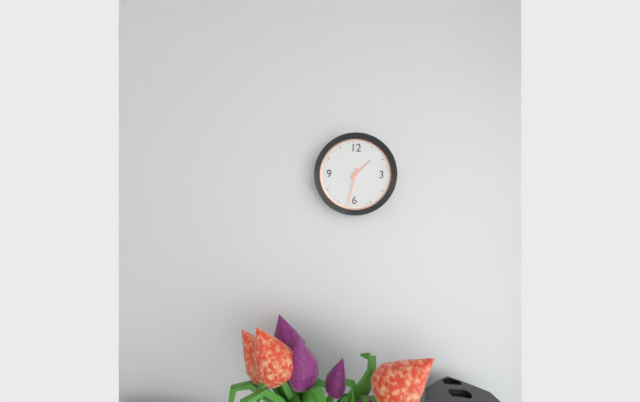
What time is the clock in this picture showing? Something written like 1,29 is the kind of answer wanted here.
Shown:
1,32
